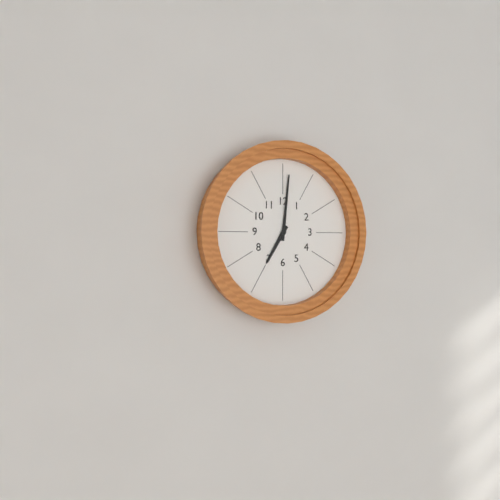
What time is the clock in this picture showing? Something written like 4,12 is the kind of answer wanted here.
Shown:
7,01
